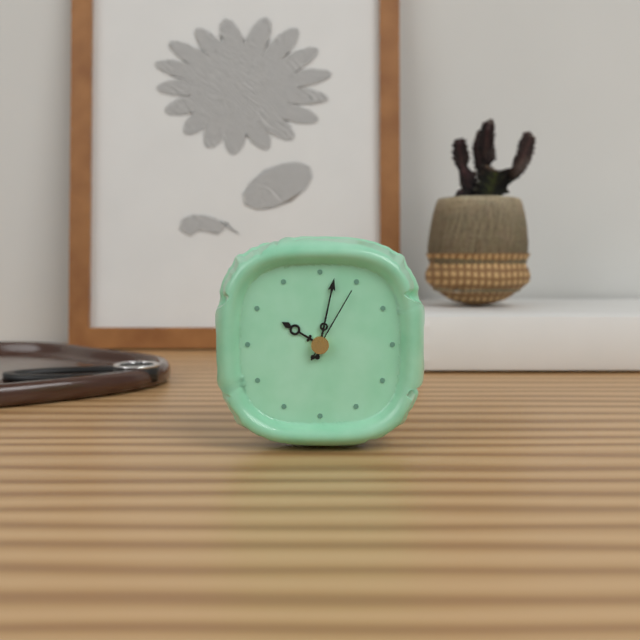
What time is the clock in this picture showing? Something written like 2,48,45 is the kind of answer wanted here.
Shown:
10,02,05
